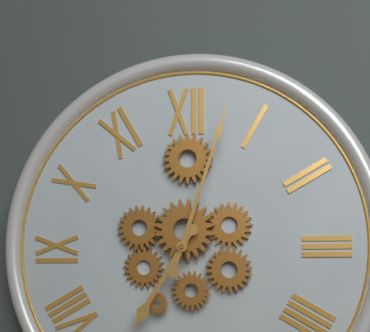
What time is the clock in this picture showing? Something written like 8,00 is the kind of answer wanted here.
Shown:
7,03
